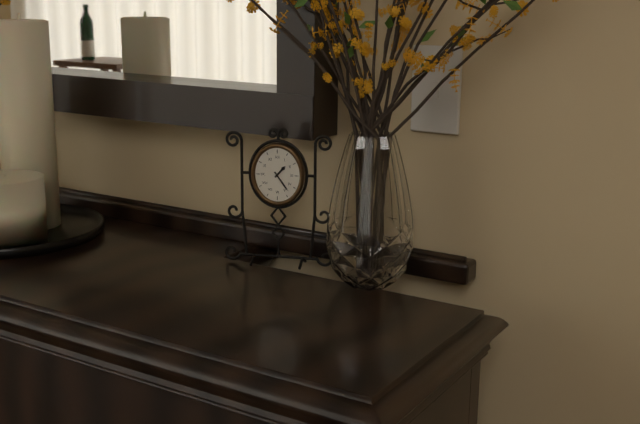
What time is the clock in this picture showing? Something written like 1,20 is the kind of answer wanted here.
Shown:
1,24
